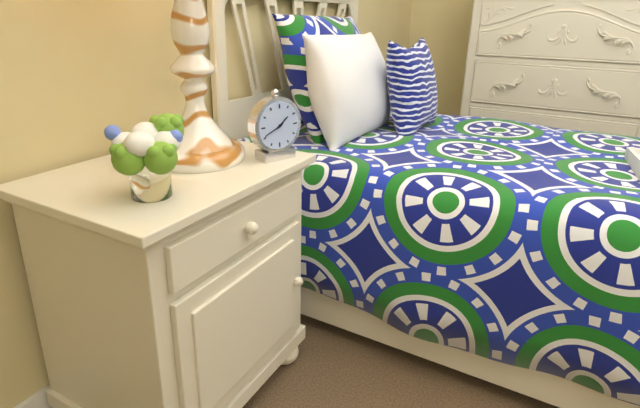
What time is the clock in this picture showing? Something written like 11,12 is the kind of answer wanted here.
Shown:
1,41
